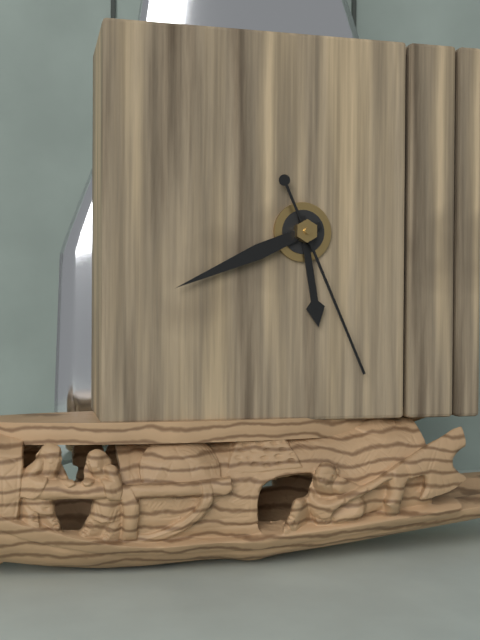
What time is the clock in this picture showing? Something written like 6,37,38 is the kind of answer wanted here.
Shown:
5,41,26
